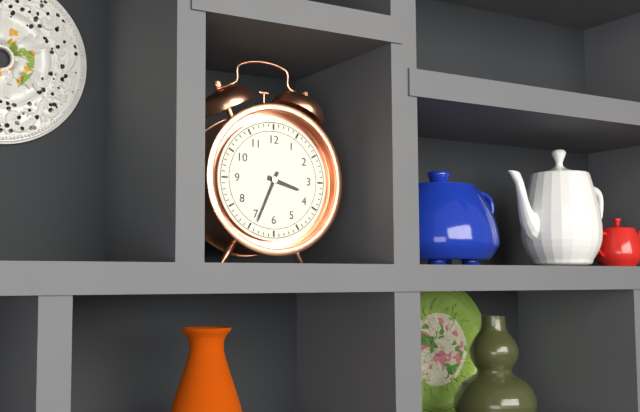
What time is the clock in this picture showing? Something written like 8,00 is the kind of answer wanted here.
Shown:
3,34
